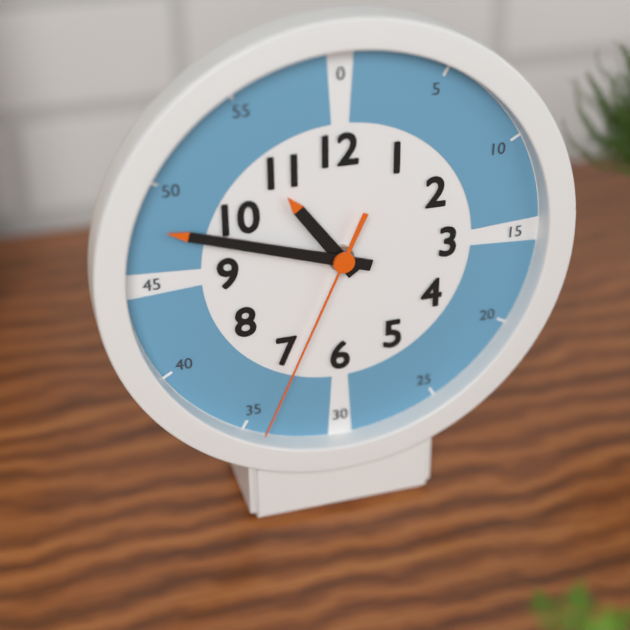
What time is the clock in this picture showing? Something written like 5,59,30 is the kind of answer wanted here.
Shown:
10,48,34
